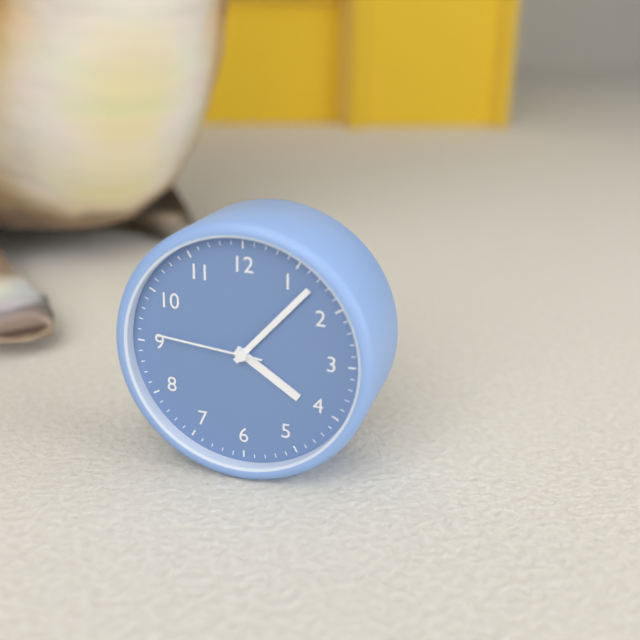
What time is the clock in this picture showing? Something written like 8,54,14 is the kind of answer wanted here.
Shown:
4,07,46
